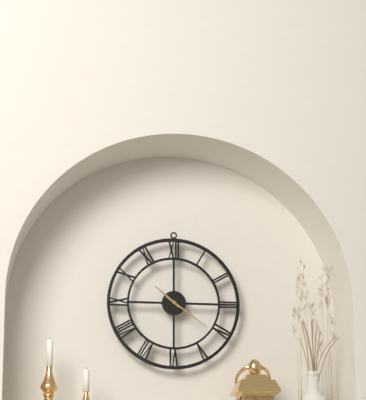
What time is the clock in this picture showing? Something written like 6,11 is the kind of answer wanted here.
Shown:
10,21
